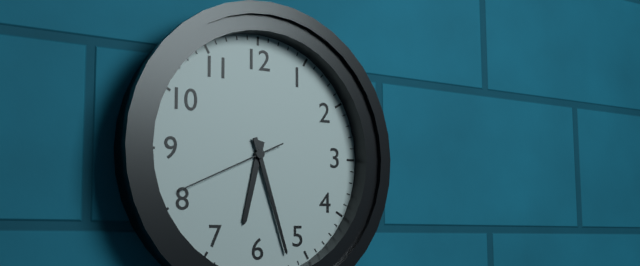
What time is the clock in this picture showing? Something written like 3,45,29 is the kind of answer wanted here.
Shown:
6,27,41
